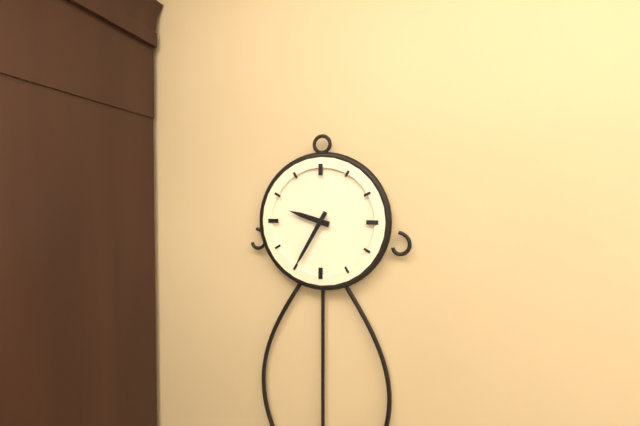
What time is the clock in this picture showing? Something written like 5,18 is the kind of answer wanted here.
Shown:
9,35
